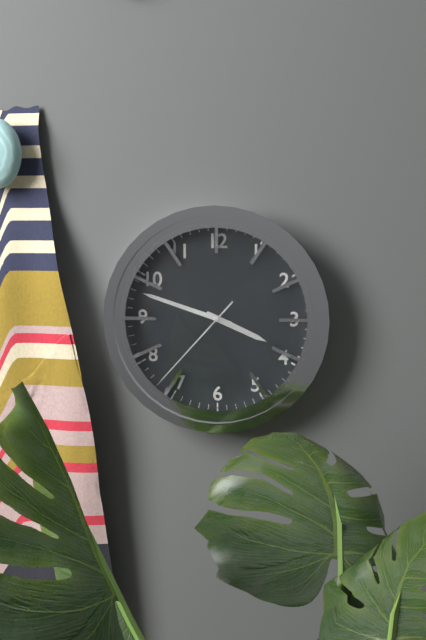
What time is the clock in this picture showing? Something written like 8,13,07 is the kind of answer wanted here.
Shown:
3,48,37
